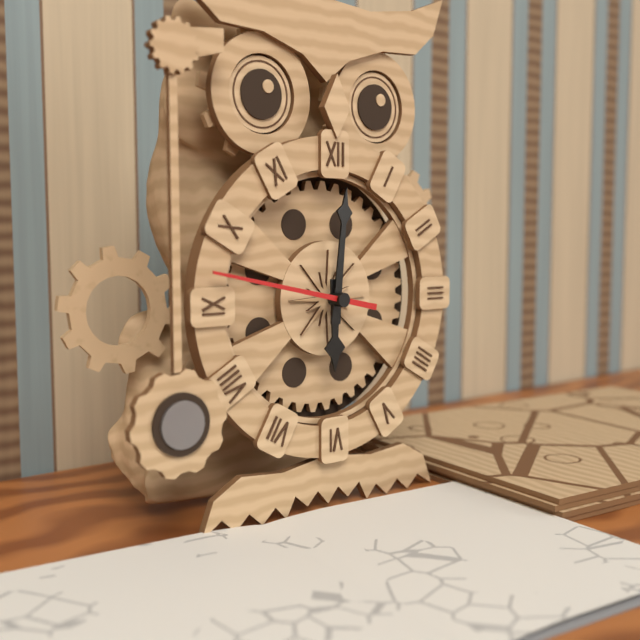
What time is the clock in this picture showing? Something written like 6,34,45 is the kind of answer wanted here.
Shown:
6,01,47
